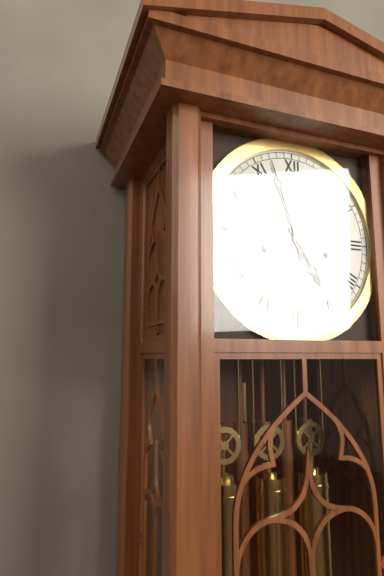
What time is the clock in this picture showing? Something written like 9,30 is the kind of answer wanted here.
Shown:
4,57
